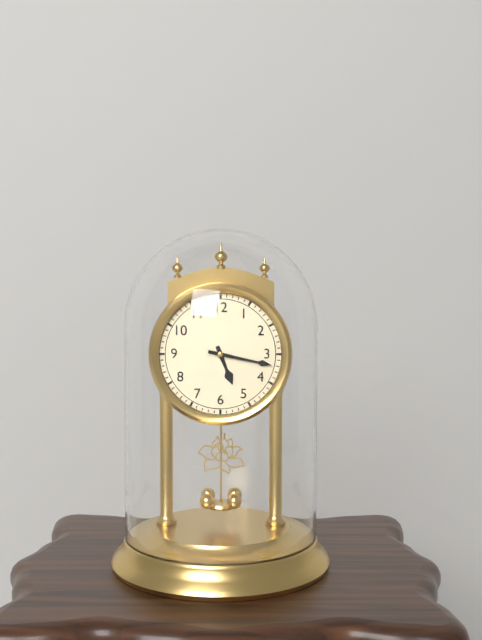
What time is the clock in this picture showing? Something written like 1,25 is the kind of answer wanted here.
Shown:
5,17
